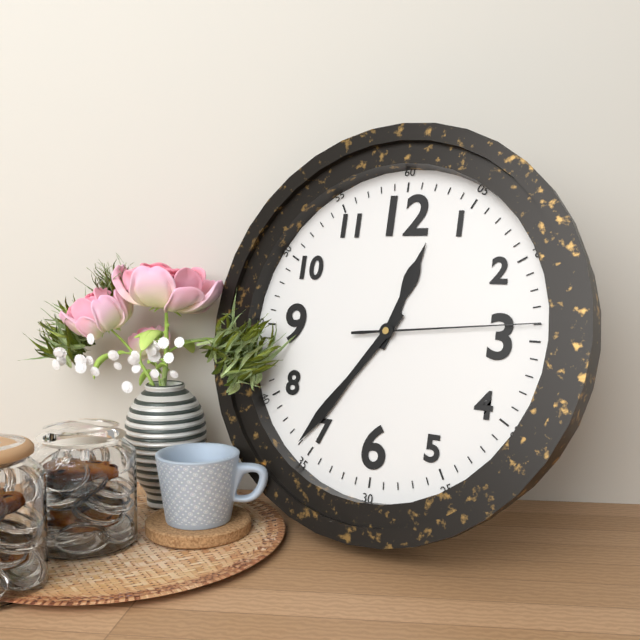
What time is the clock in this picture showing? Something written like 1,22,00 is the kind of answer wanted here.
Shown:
12,36,14
